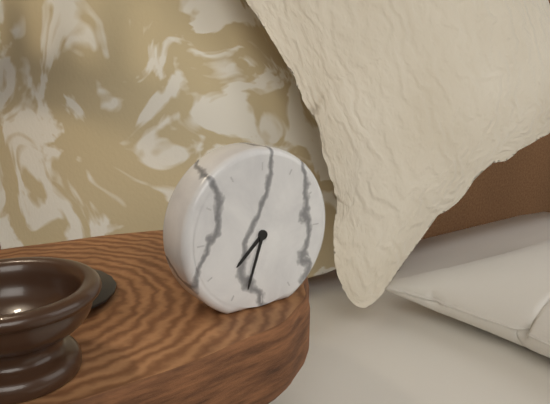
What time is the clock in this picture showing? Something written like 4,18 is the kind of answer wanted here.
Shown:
7,33
